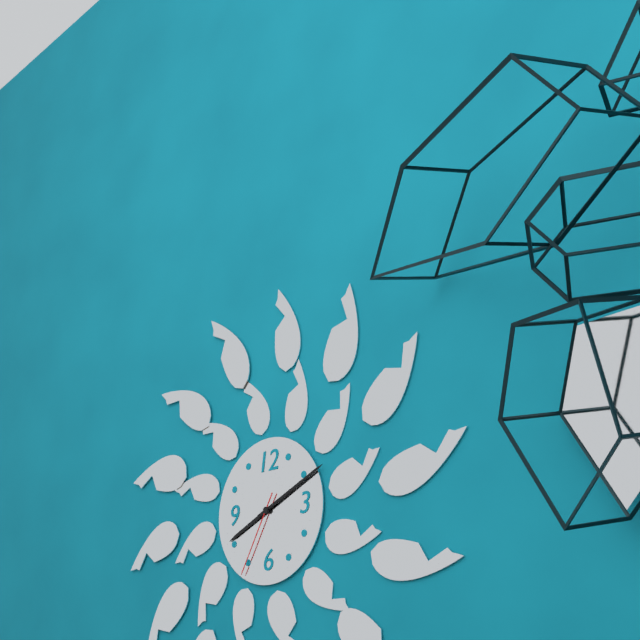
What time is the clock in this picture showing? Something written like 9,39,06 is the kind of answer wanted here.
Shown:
8,11,35
